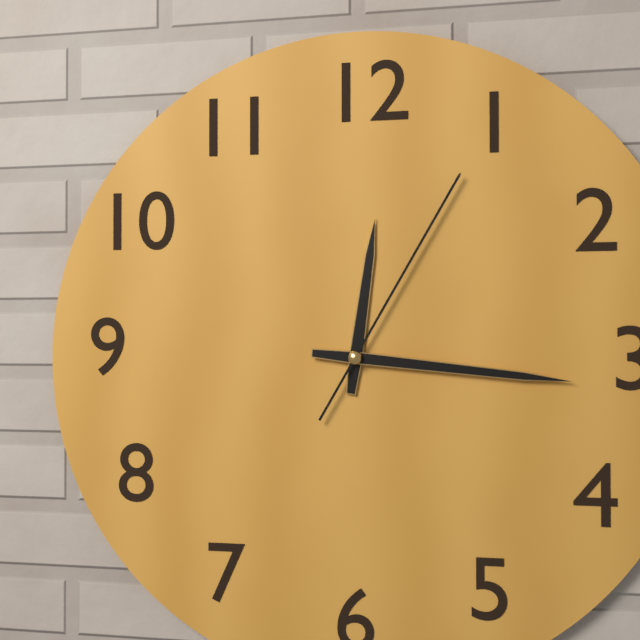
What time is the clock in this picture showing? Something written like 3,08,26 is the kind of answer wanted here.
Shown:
12,16,05
